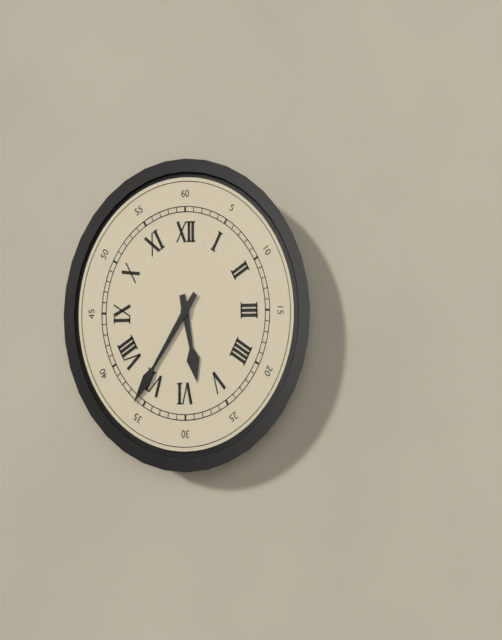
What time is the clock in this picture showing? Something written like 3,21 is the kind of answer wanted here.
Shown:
5,36
